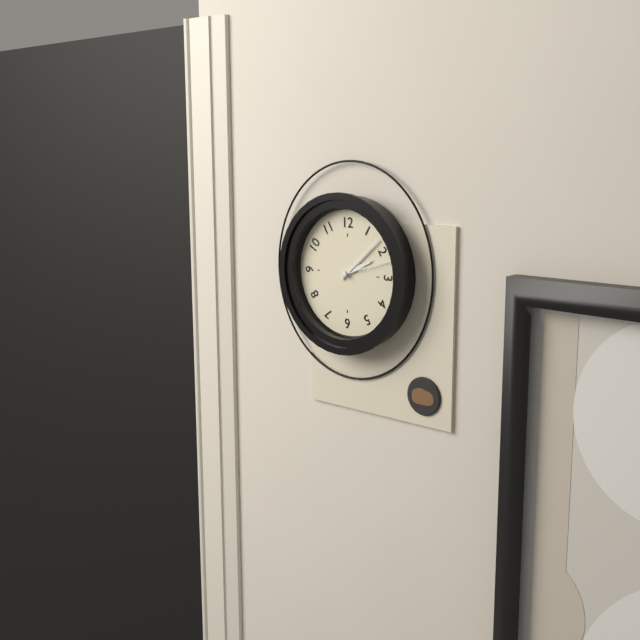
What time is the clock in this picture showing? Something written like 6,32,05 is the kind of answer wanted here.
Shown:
2,08,12
